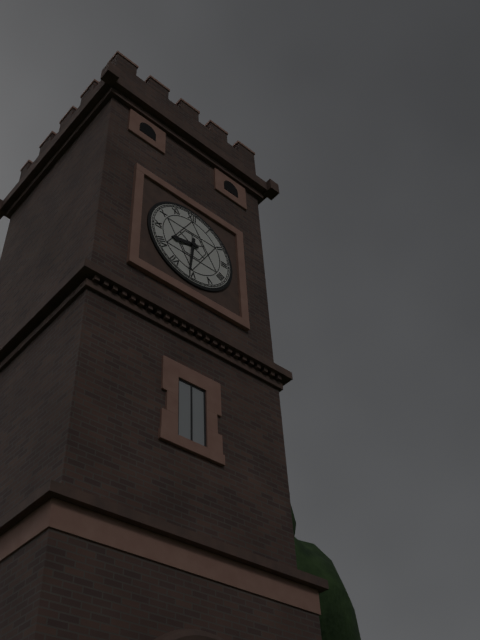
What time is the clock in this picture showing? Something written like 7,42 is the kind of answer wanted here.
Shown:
8,31
